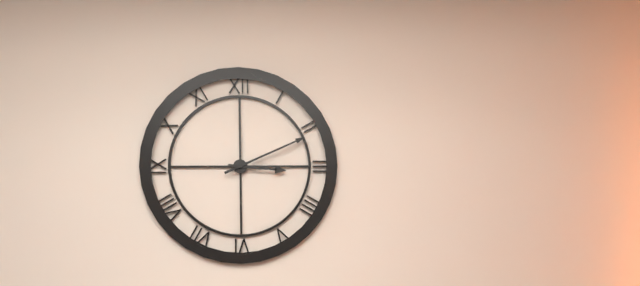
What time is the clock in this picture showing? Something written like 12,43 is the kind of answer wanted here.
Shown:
3,11
